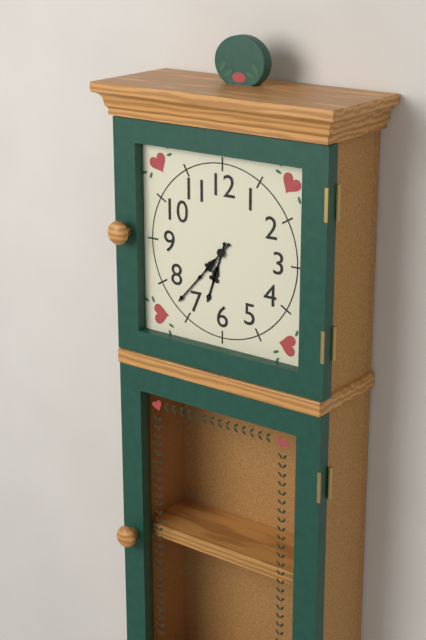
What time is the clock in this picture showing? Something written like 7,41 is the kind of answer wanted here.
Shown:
6,37
